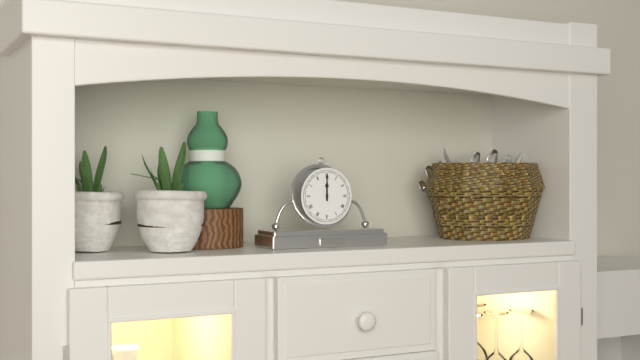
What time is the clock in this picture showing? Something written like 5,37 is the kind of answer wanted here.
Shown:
12,00
